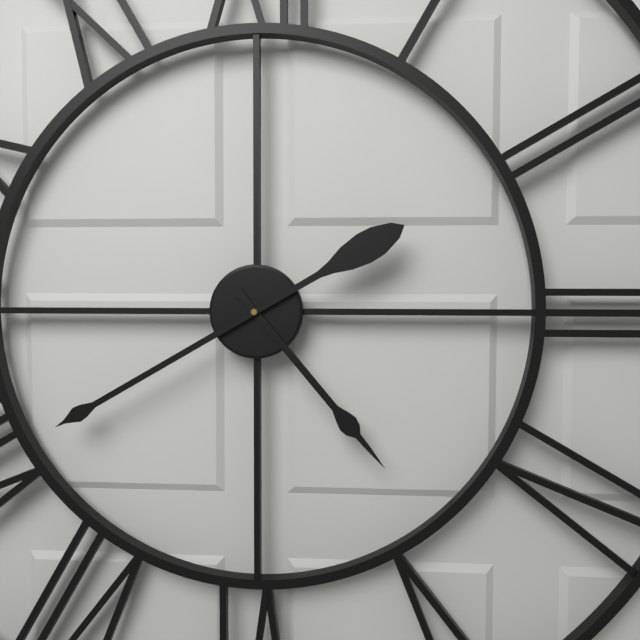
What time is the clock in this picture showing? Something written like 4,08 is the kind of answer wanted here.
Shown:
4,40
